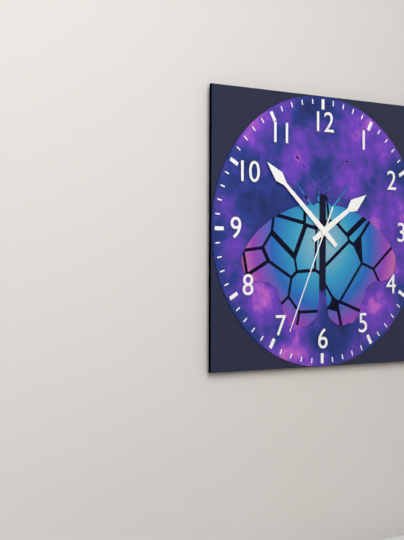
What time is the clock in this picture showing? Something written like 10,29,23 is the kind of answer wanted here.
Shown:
1,52,34
